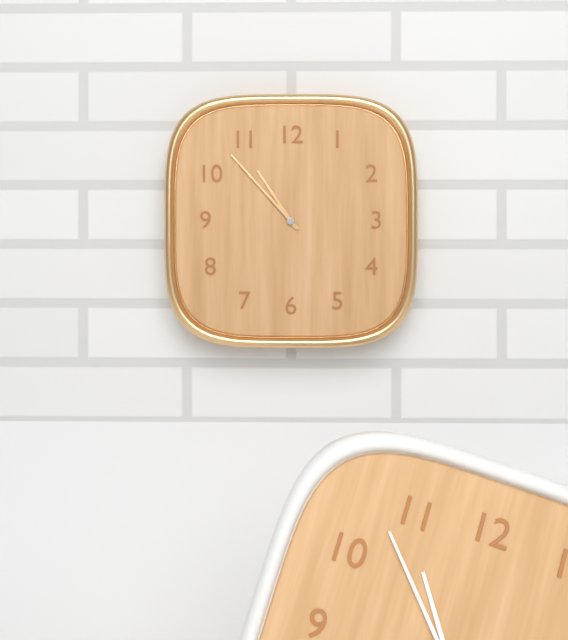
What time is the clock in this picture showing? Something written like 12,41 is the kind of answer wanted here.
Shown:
10,53
